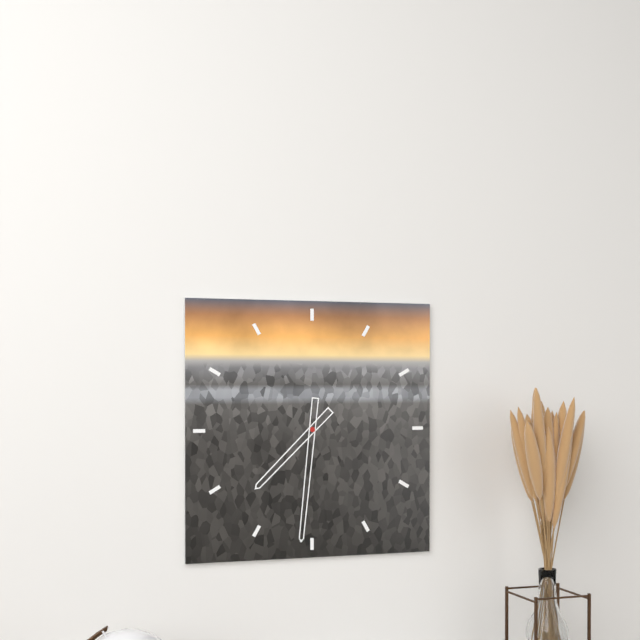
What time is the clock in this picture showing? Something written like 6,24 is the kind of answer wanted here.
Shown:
7,31
